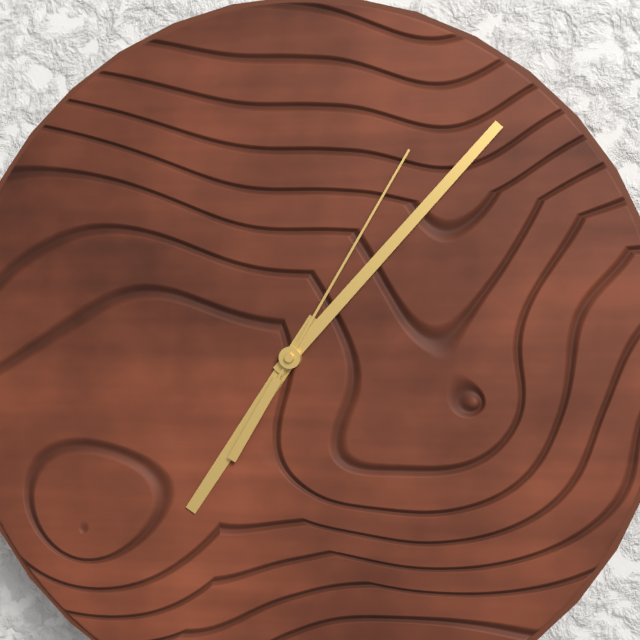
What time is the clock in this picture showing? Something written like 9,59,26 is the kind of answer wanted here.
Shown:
7,07,05
